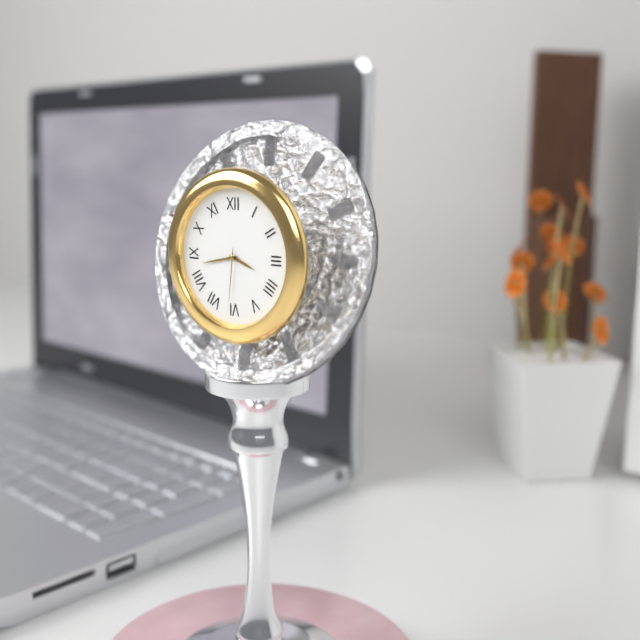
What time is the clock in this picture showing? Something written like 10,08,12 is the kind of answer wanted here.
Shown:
3,43,31
